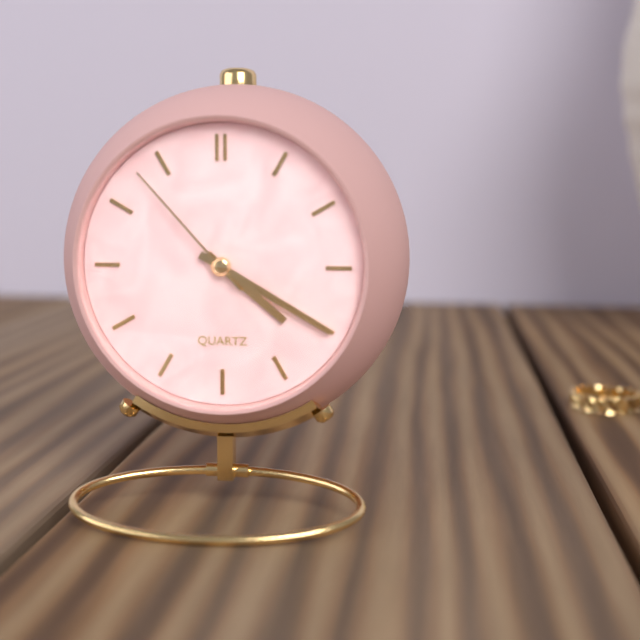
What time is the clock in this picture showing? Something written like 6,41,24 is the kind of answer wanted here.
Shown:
4,20,53
